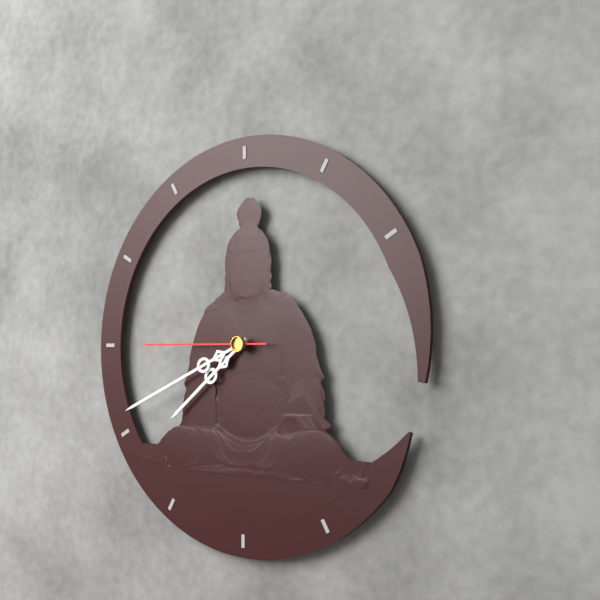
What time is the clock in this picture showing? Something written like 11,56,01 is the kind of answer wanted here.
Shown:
7,41,45
